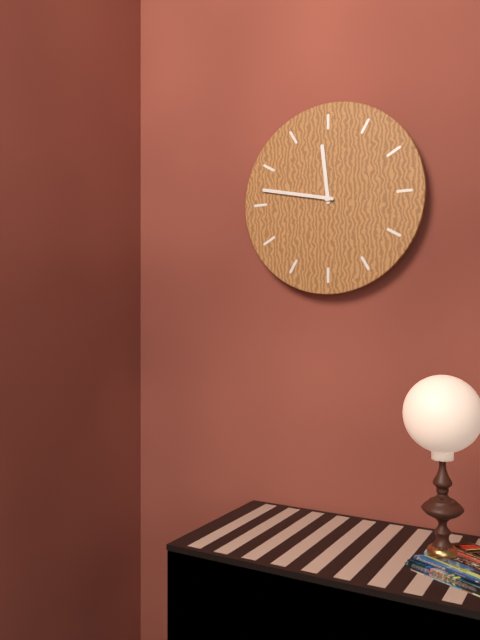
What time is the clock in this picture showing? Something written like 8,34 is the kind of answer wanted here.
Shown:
11,47
